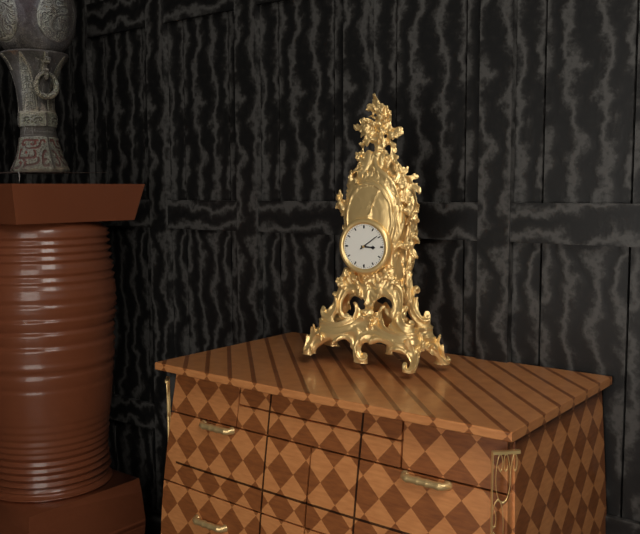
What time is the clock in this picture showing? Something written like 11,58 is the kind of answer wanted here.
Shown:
3,09
